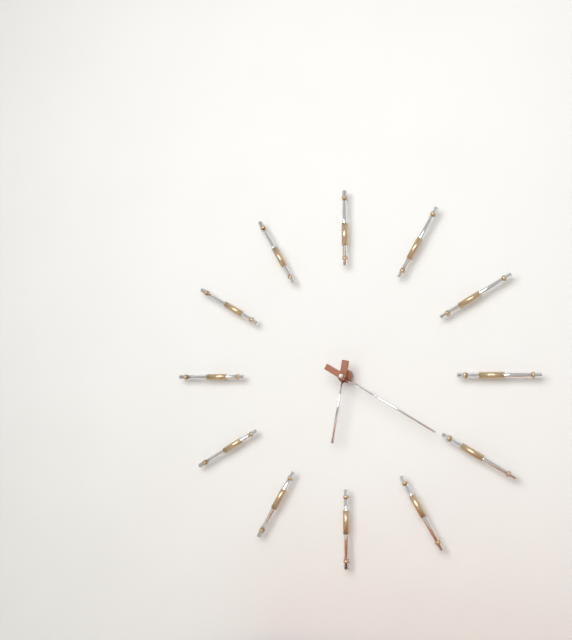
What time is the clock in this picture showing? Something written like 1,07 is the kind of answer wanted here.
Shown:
6,20
